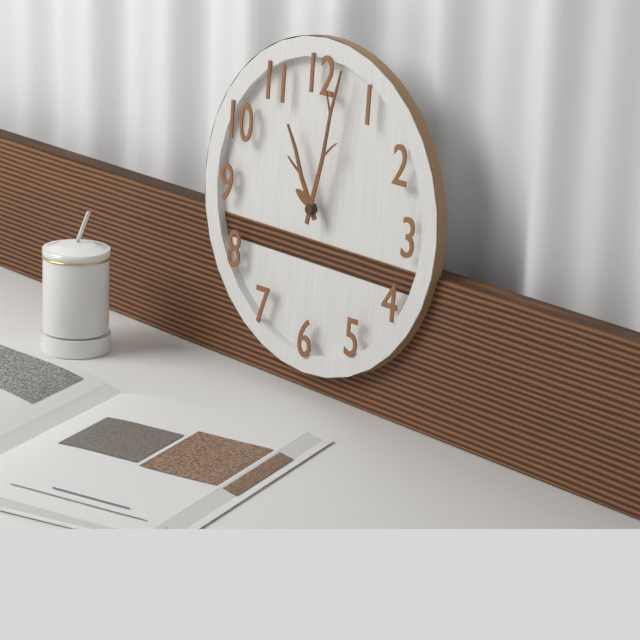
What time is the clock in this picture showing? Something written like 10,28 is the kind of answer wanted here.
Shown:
11,02
